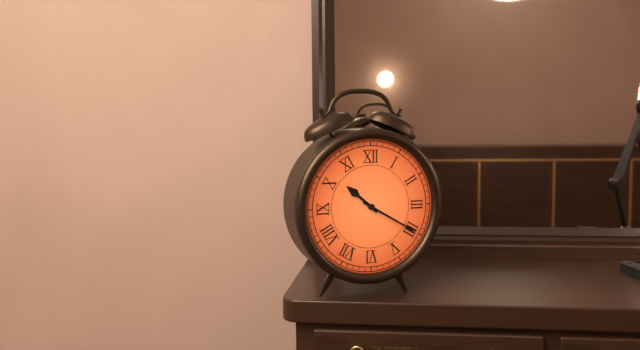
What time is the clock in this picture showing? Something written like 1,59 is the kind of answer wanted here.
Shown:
10,20
